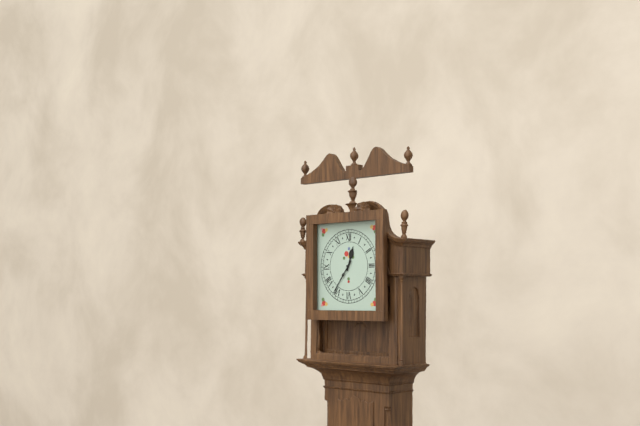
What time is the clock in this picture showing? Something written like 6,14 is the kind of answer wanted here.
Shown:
12,36
